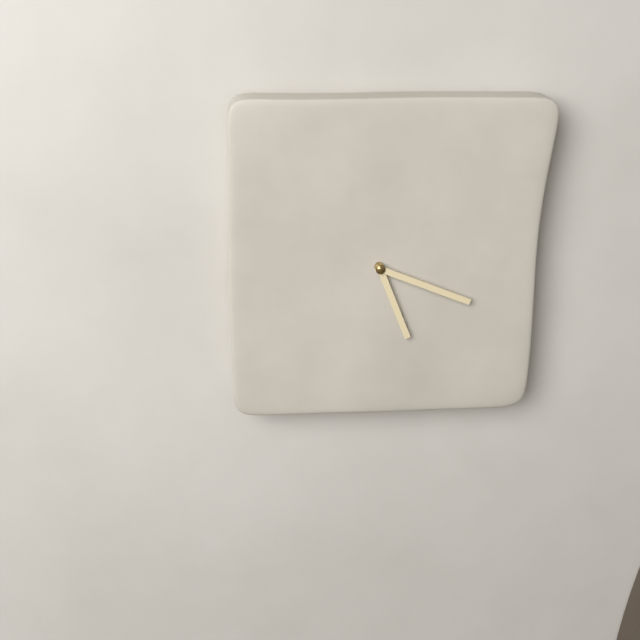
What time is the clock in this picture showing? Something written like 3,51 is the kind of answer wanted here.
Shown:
5,19
